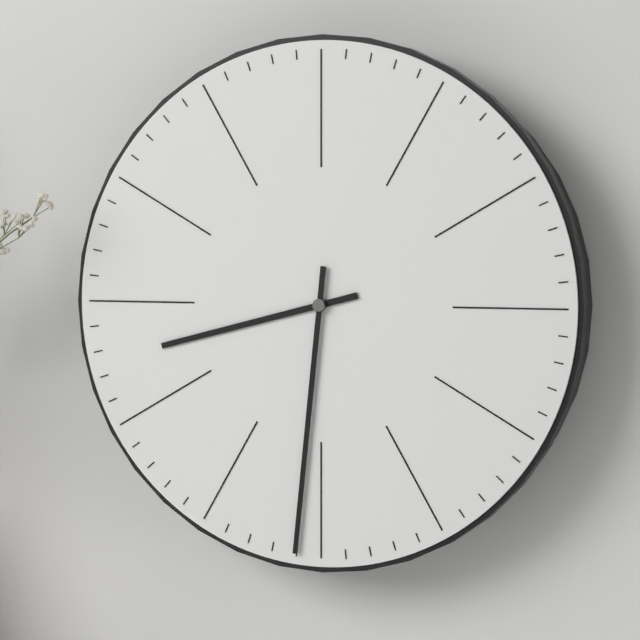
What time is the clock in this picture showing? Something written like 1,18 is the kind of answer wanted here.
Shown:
8,31
